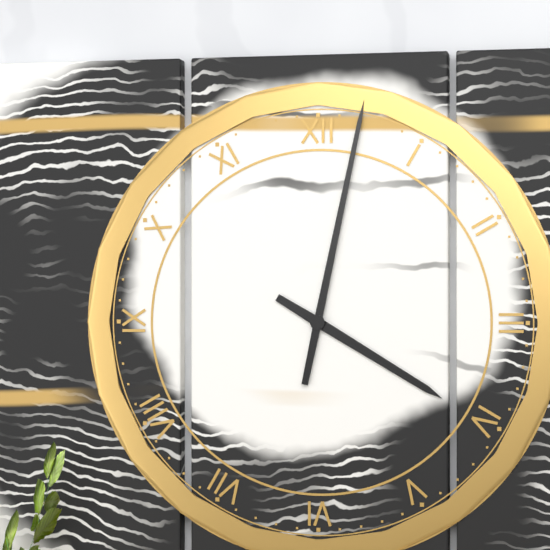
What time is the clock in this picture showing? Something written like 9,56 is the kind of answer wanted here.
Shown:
4,02
